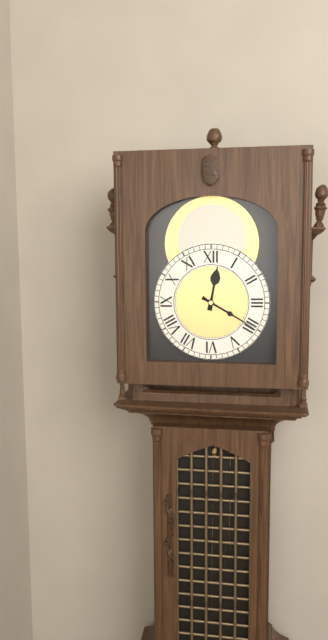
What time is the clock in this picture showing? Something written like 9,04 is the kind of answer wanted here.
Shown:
12,20
